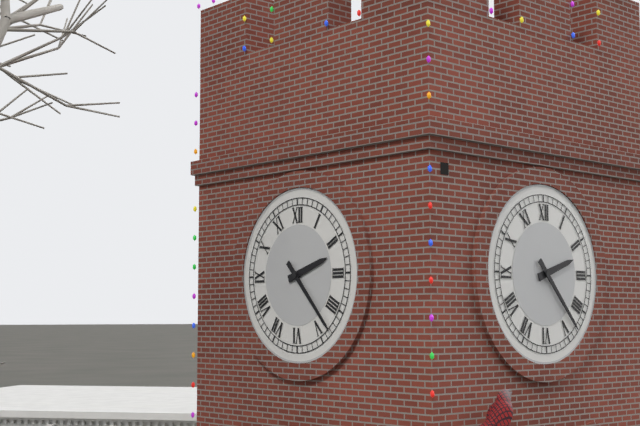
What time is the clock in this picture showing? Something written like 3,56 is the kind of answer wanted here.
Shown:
2,23
